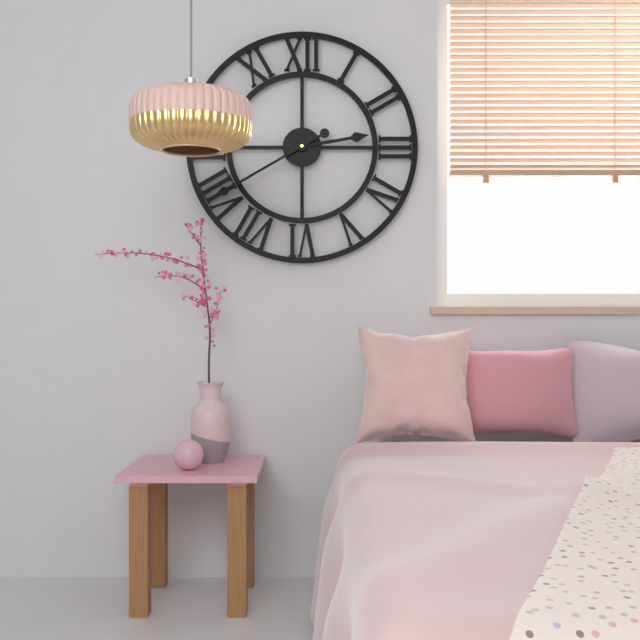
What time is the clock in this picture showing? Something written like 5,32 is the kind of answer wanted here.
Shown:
2,40
